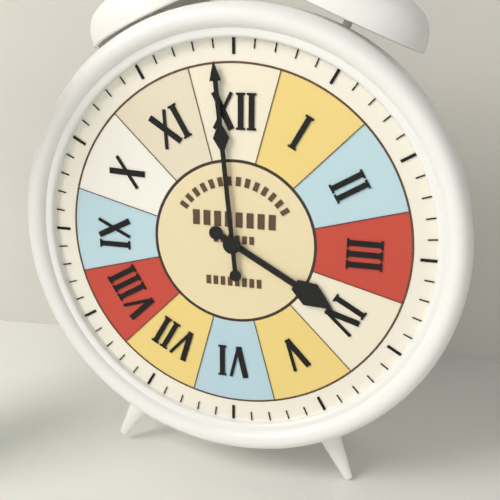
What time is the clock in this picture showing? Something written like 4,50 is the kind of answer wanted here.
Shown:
3,59
